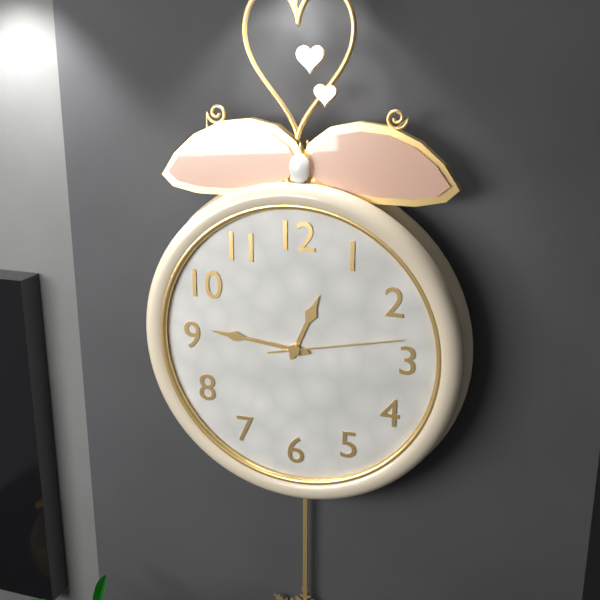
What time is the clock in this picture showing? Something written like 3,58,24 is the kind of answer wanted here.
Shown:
12,46,13
